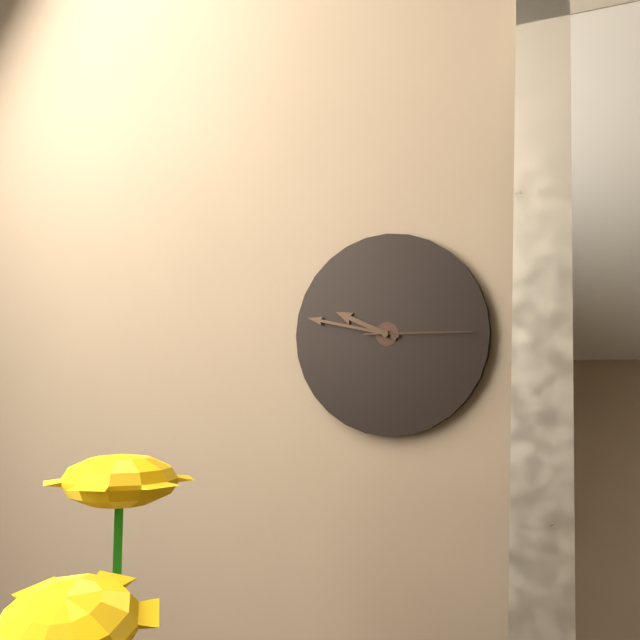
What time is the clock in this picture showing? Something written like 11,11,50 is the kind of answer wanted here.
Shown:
9,47,15
